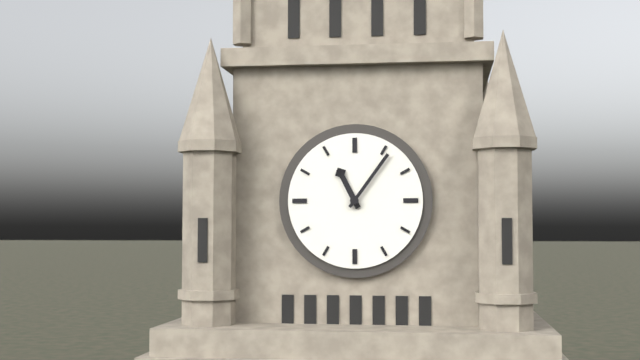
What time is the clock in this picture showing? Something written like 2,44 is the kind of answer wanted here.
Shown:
11,06
